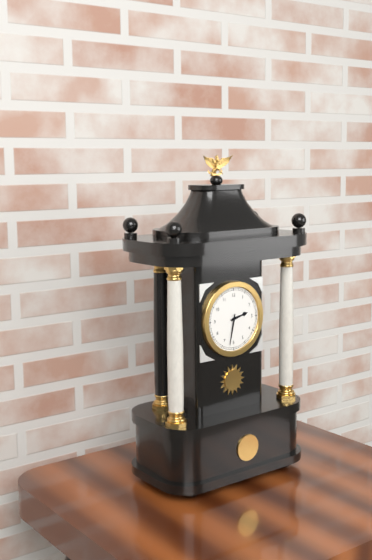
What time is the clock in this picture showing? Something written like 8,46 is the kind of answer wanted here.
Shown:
2,32
